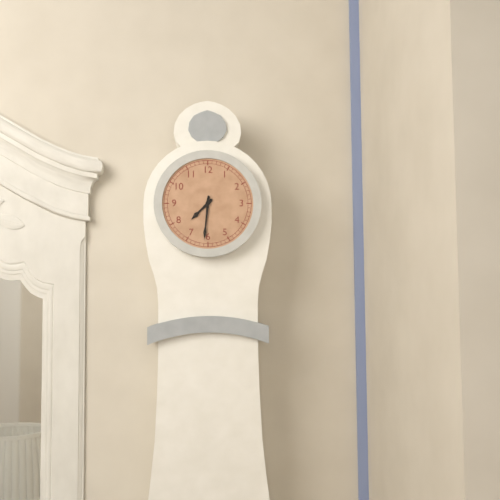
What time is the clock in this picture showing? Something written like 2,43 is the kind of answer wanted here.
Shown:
7,31
